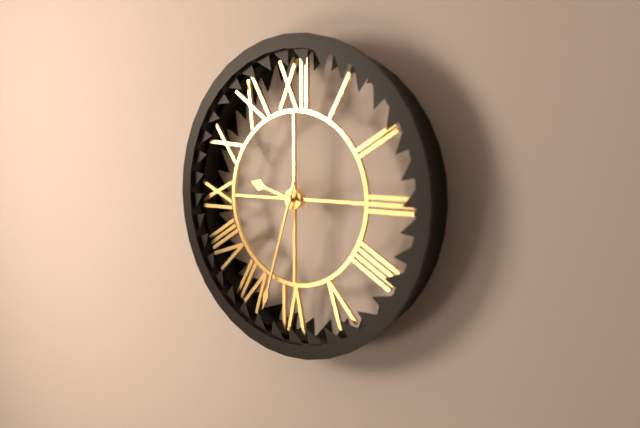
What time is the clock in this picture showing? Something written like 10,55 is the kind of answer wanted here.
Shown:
9,33
